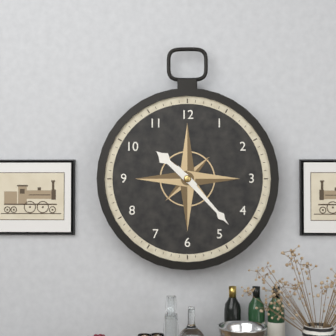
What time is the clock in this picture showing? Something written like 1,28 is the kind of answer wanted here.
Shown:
10,23
